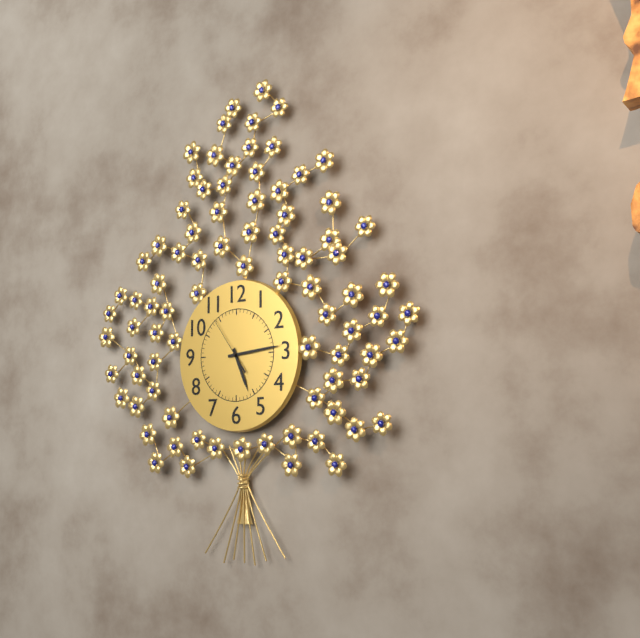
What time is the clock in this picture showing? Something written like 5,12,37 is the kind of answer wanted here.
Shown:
5,14,54
